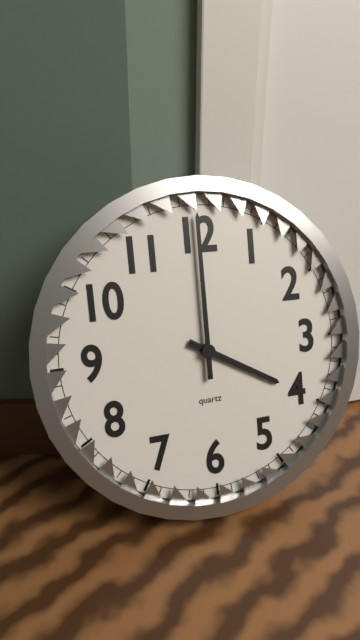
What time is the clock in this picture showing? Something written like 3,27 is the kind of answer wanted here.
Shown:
4,00
